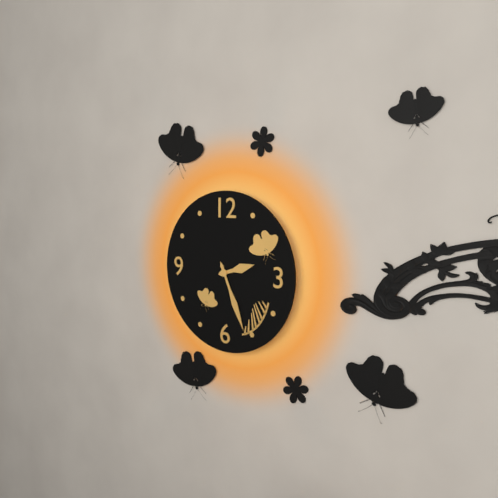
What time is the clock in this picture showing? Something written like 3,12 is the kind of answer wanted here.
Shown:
2,26
